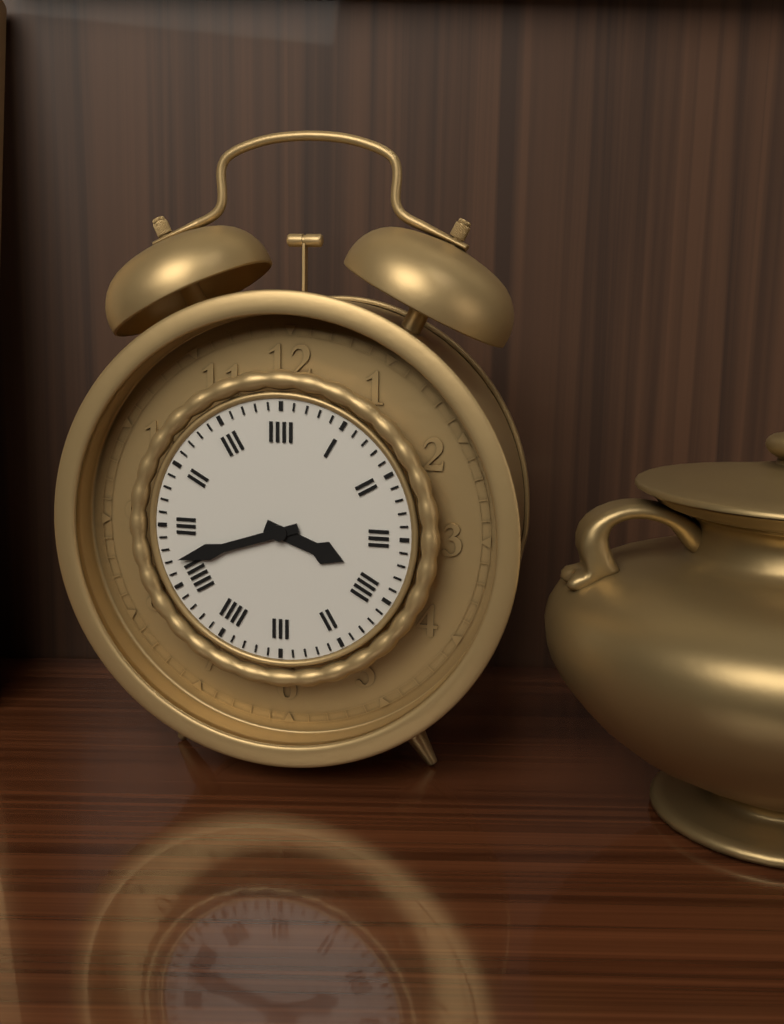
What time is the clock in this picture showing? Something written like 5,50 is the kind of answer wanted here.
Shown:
3,42
